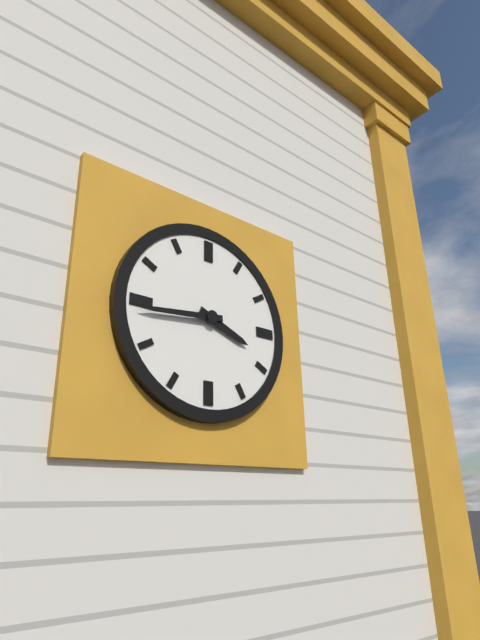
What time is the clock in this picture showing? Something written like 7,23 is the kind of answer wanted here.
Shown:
3,44
